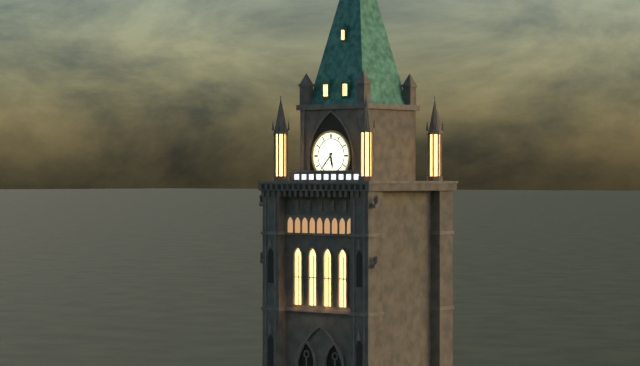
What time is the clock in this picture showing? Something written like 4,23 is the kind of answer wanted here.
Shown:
5,37
